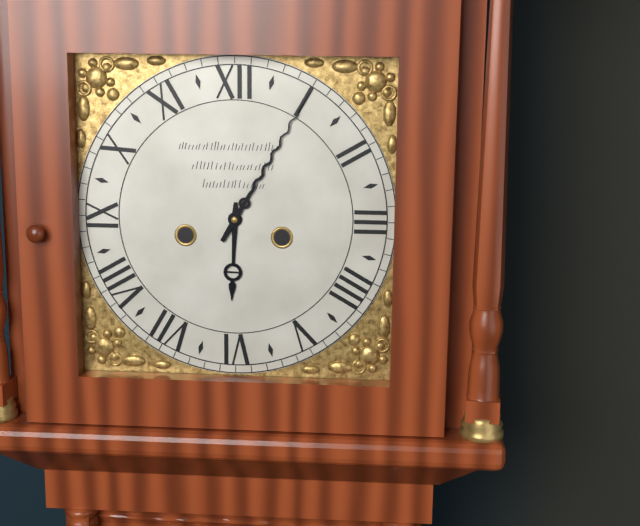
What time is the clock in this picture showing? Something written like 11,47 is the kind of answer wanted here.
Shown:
6,05
